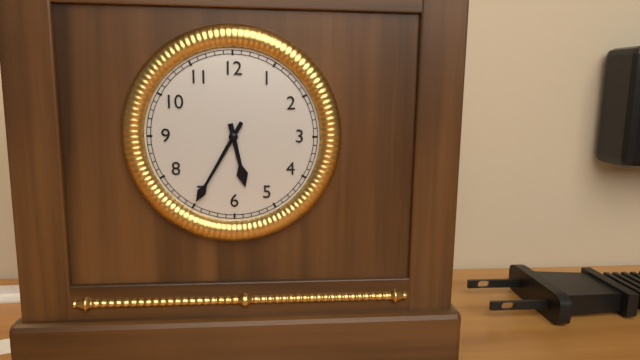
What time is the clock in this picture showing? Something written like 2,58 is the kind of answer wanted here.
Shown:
5,35
